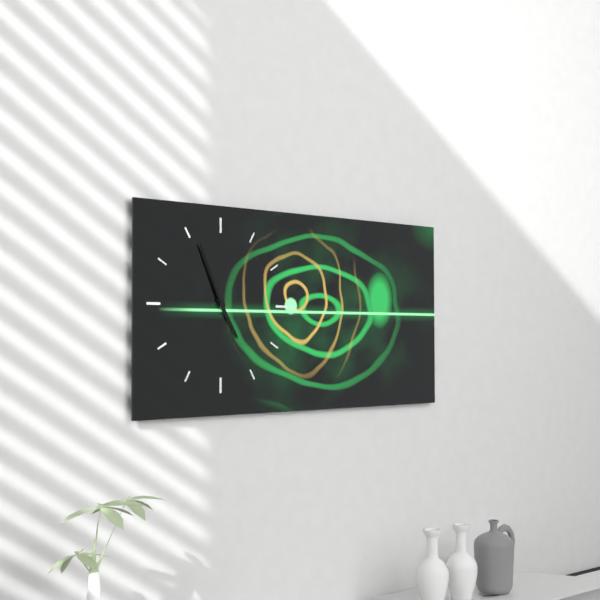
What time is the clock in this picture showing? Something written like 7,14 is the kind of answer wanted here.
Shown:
4,56
